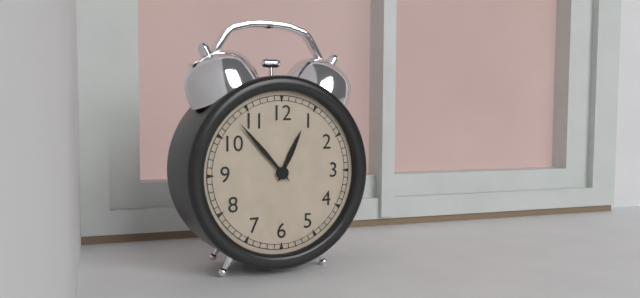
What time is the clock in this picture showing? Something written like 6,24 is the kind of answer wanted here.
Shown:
12,53
